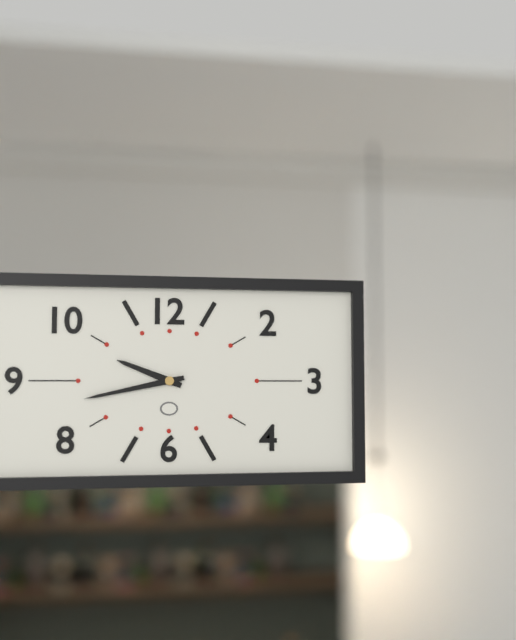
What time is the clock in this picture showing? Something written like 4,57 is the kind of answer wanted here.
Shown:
9,43
